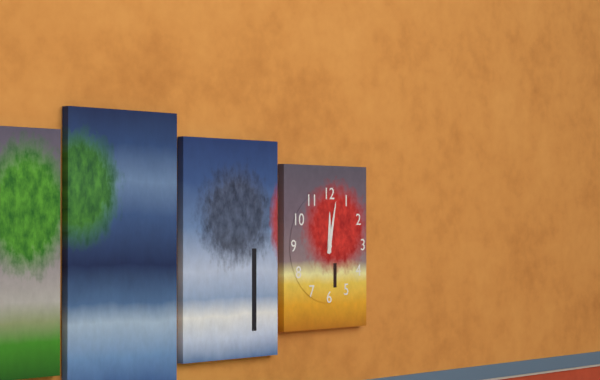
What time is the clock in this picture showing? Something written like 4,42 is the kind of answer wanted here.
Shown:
12,02
